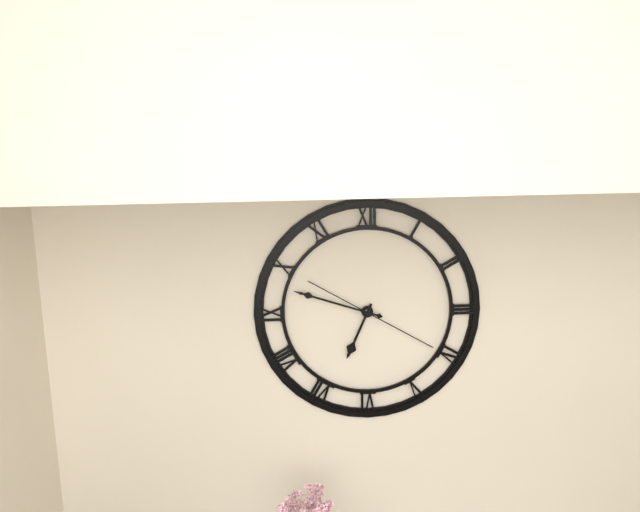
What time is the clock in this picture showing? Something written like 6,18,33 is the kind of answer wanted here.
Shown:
6,48,20
